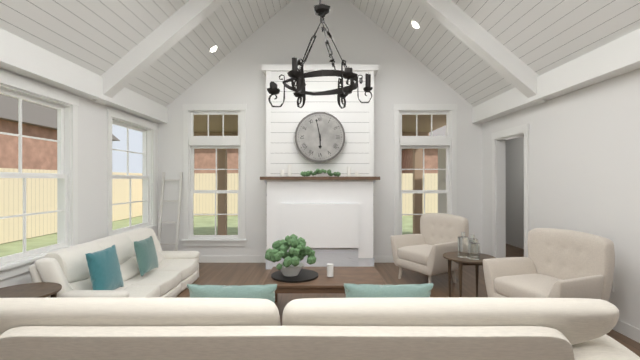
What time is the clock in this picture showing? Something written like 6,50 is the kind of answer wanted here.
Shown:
5,58
